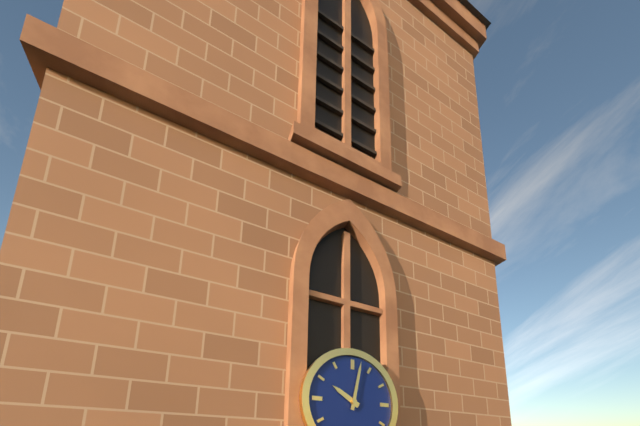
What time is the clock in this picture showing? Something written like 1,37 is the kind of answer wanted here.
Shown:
10,02
